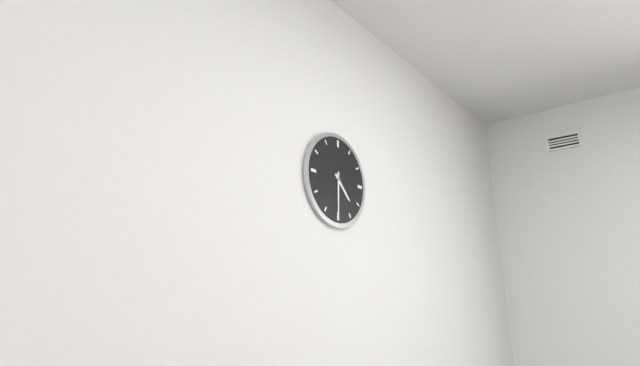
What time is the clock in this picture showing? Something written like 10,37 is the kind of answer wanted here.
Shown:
4,30
